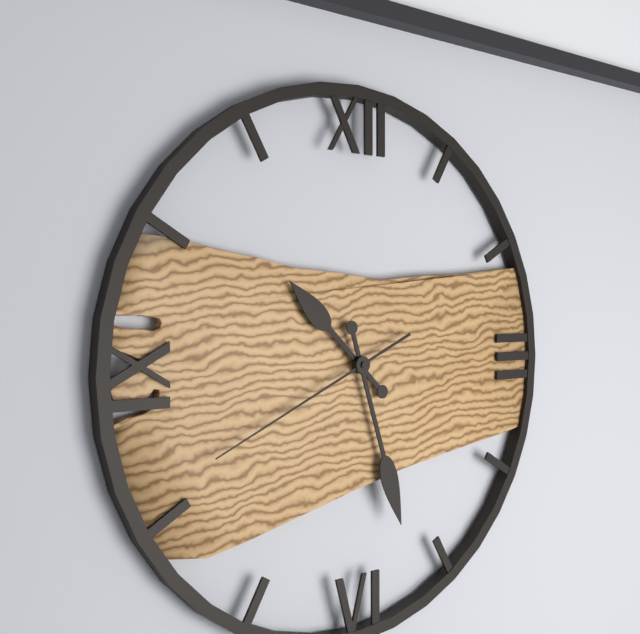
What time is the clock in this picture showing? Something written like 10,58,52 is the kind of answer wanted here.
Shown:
10,27,41
